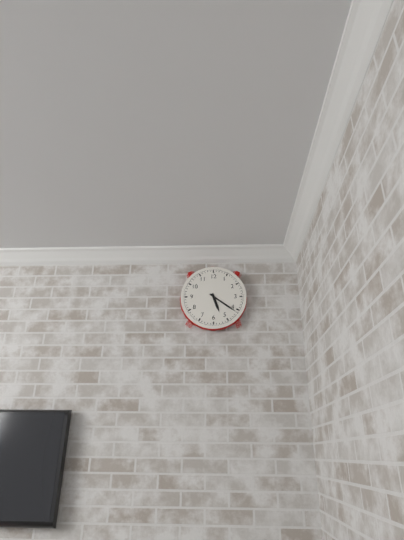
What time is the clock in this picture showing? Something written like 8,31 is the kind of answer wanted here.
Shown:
5,21
